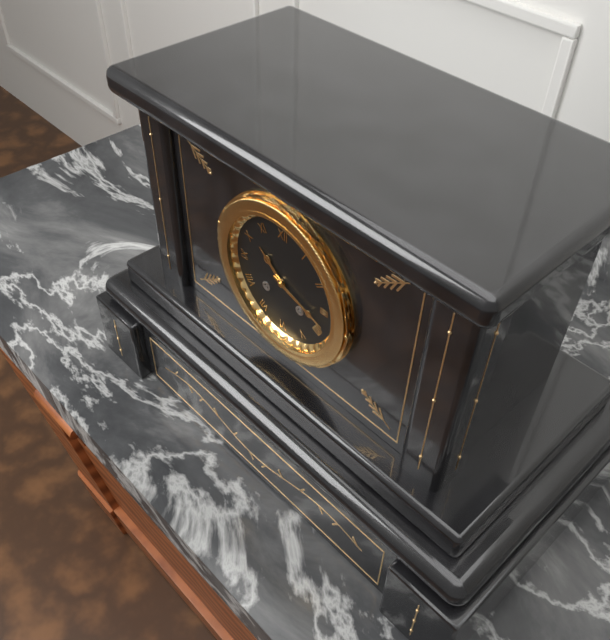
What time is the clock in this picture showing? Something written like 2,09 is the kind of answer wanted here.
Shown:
10,18
